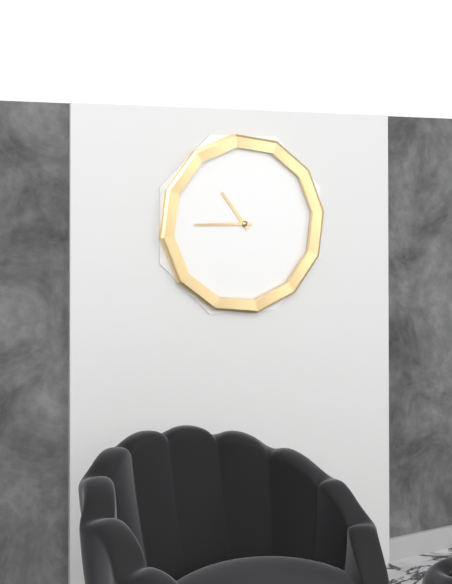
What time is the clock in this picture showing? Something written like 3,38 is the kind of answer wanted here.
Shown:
10,45
